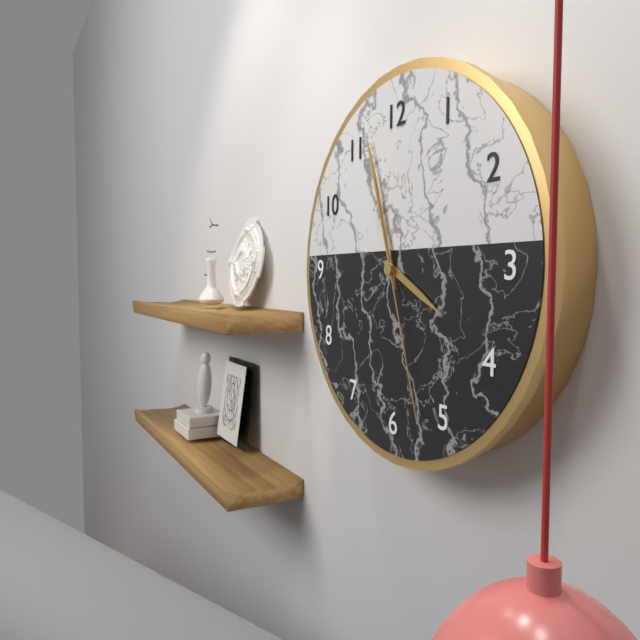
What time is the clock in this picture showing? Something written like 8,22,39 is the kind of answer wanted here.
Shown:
3,57,27
